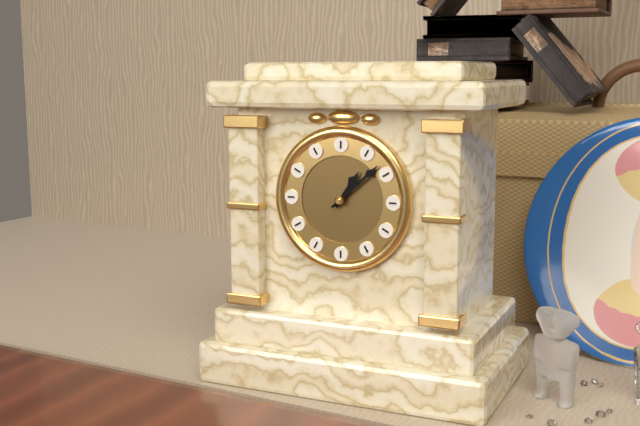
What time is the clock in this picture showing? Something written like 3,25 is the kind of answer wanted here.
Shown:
1,08
